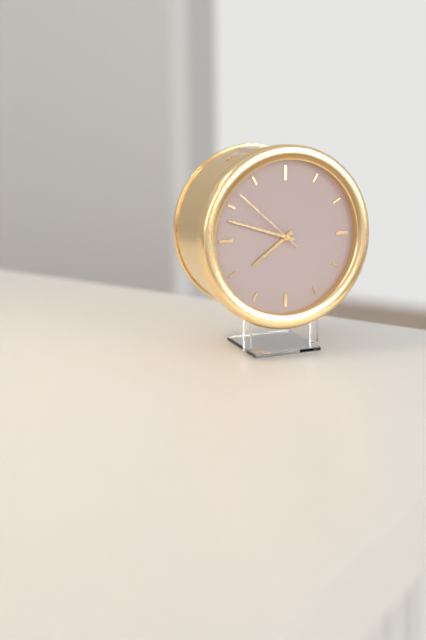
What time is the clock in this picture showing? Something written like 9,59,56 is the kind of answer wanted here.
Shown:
7,48,52
